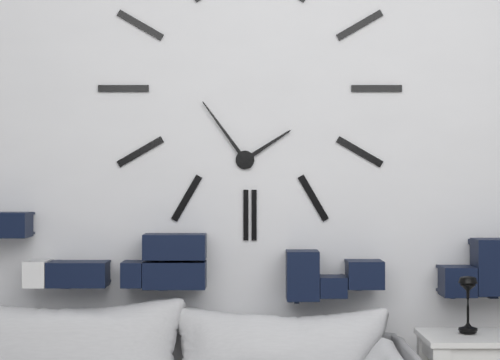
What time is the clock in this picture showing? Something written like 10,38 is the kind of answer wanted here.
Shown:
1,54
